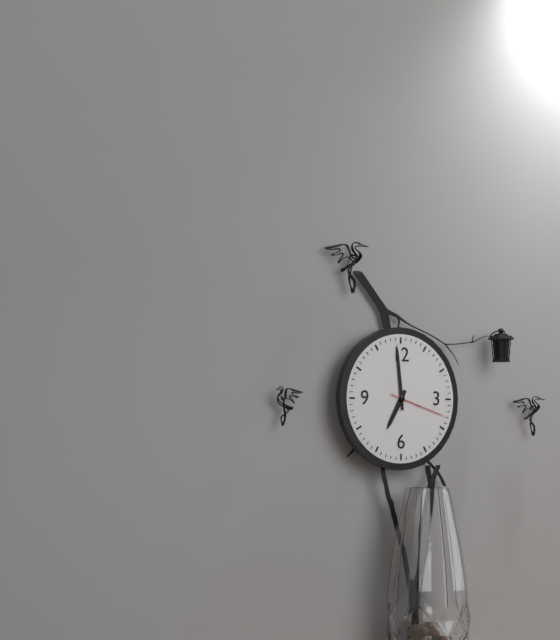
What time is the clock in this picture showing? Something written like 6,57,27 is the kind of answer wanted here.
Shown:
6,59,18
